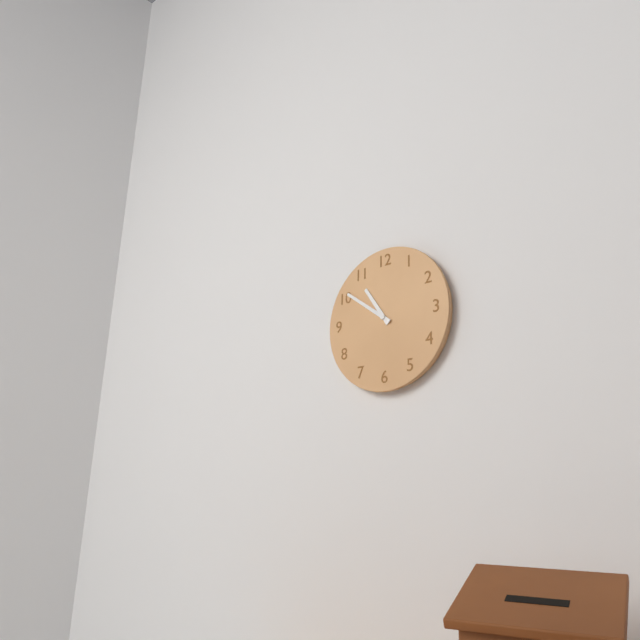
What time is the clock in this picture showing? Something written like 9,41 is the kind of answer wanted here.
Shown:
10,51
